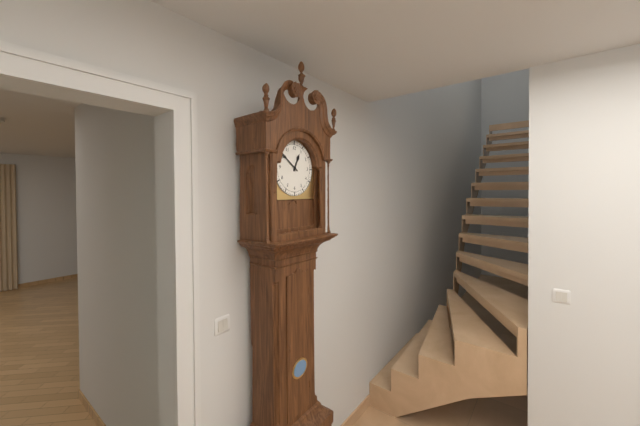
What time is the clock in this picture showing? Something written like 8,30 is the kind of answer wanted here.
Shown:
12,51
